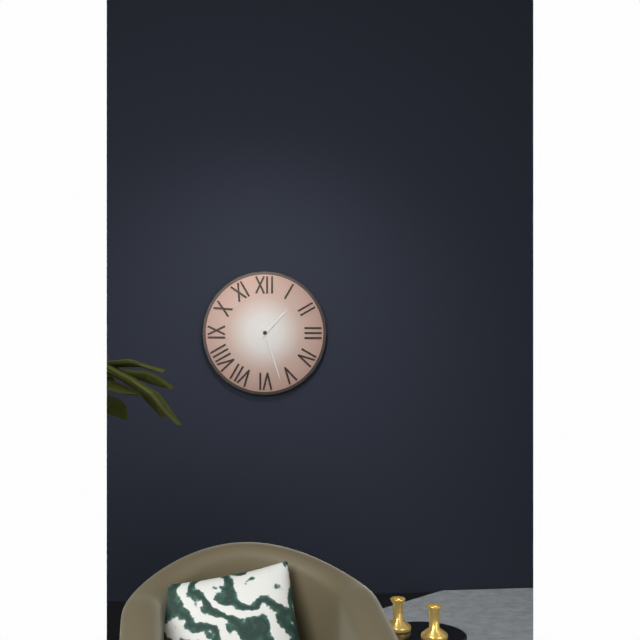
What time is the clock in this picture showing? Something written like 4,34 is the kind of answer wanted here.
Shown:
1,27
